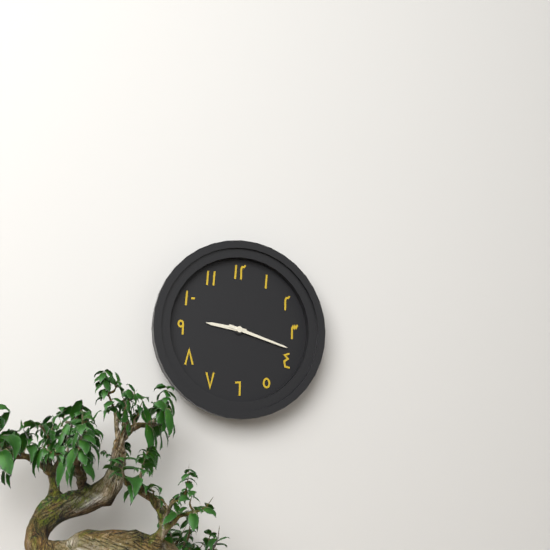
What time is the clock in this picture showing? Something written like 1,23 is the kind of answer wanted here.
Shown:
9,18
